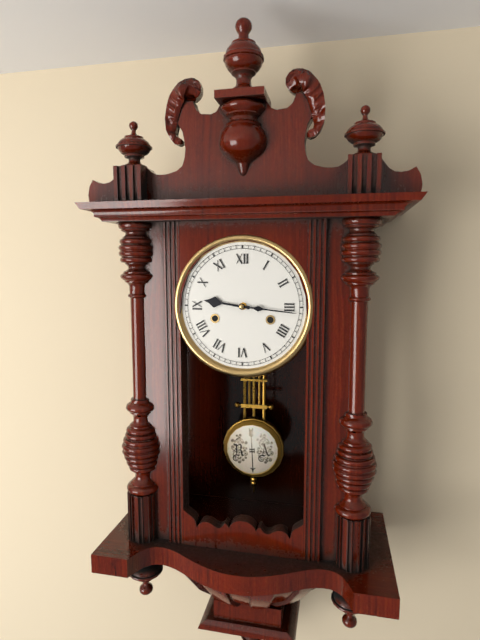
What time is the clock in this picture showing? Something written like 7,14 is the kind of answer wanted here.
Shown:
9,16
